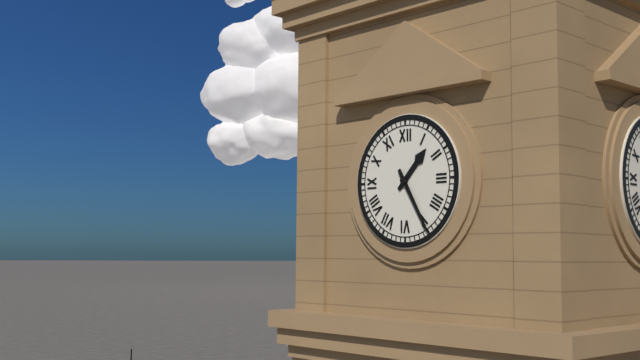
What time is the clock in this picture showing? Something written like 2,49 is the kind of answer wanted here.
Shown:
1,25
